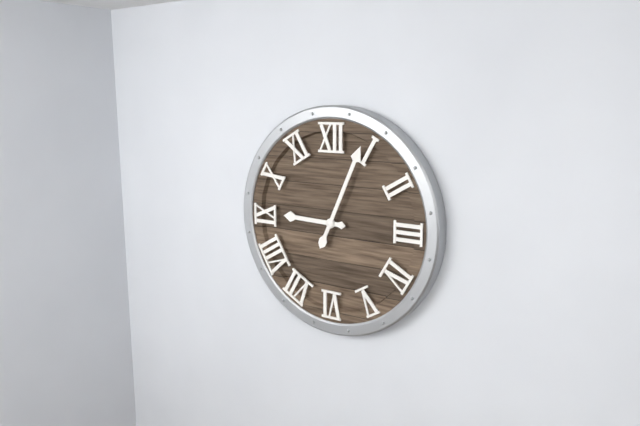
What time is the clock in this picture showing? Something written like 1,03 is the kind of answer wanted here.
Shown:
9,04
